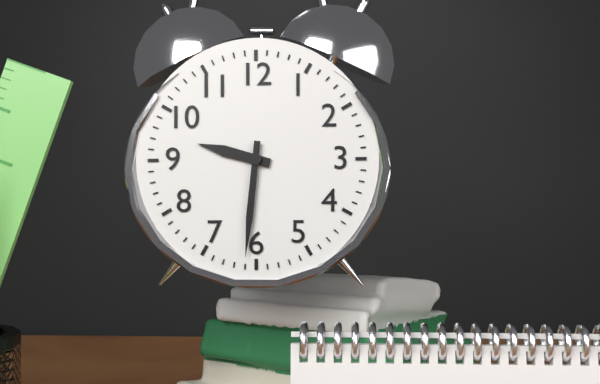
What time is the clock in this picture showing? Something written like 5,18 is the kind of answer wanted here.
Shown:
9,31
